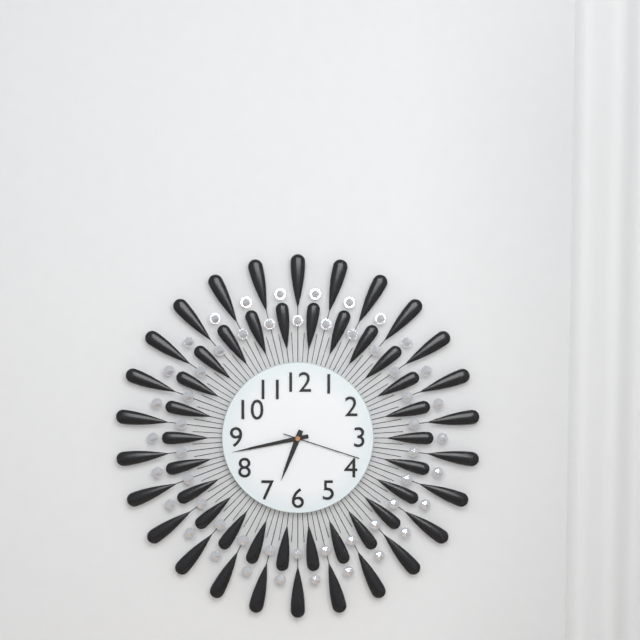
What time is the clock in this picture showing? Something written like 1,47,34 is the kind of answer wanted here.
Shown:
6,43,18
